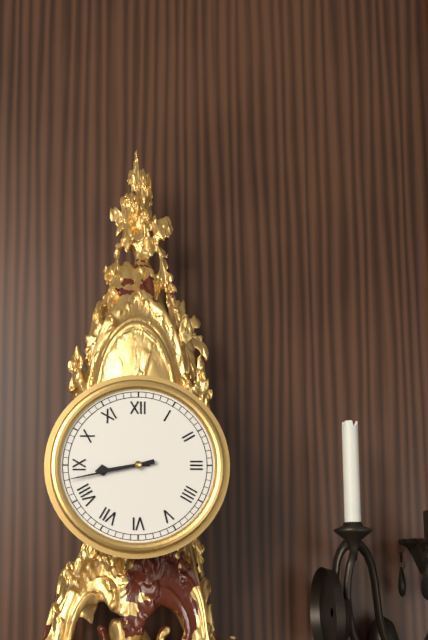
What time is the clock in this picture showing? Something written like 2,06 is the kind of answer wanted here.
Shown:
8,43
